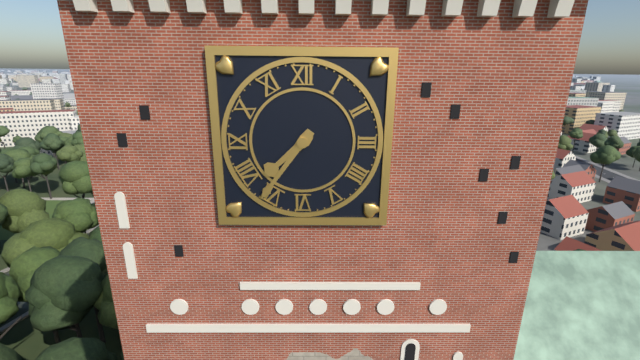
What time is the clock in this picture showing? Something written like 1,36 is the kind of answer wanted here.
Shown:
7,36
